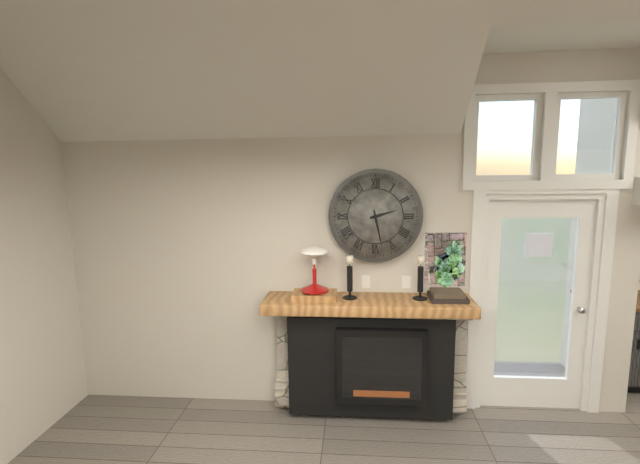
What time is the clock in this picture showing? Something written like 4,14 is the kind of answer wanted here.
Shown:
2,28
